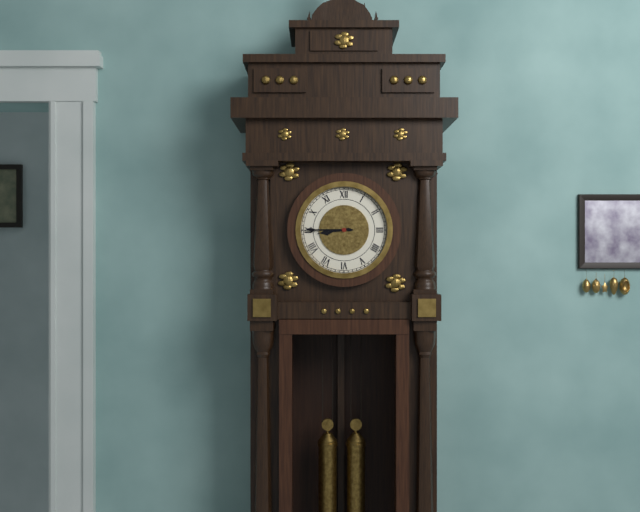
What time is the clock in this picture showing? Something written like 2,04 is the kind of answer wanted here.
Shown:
8,45
